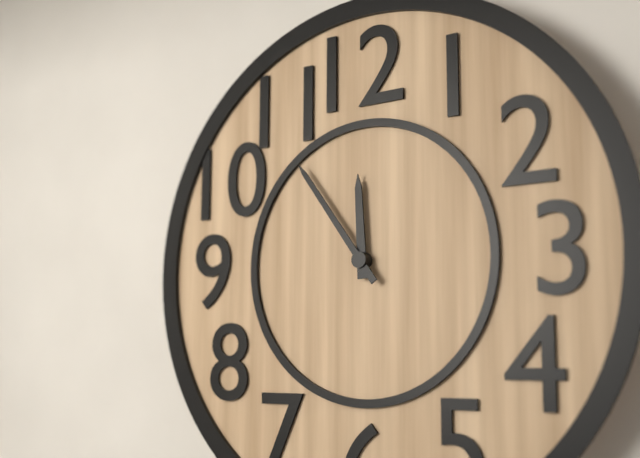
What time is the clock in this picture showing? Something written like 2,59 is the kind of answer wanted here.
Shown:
11,54
